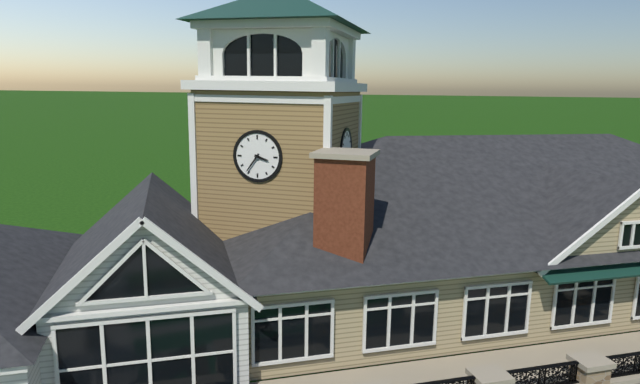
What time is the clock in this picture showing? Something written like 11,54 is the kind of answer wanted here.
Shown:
3,36
